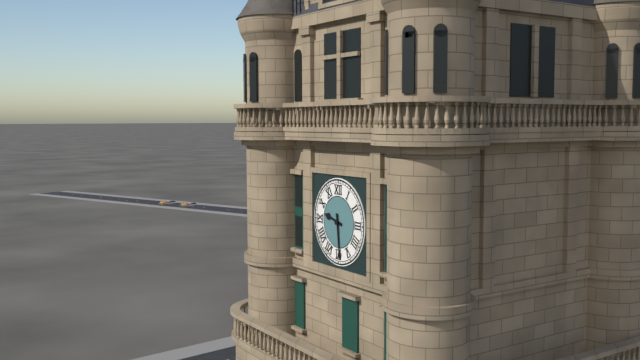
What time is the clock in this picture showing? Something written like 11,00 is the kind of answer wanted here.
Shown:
9,29
